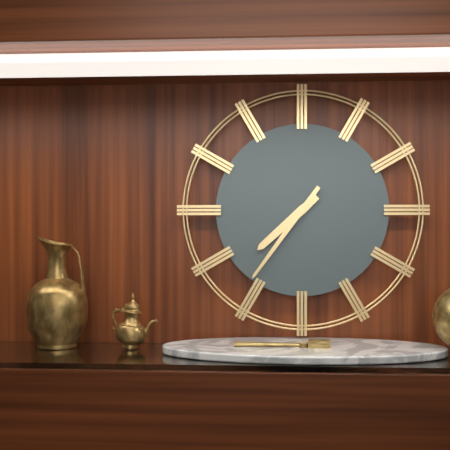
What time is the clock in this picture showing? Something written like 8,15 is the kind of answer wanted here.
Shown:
7,36
